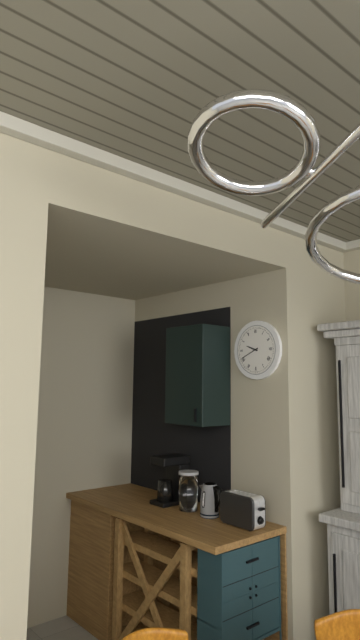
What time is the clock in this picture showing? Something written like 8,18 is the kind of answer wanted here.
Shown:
9,41
